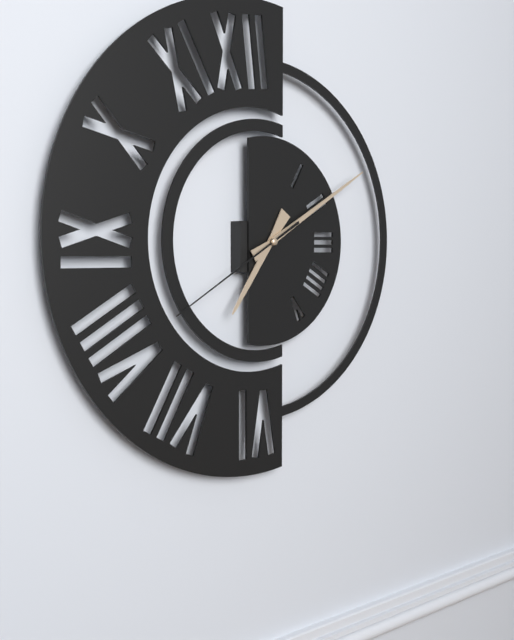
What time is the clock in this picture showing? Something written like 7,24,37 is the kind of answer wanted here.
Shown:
7,10,40
